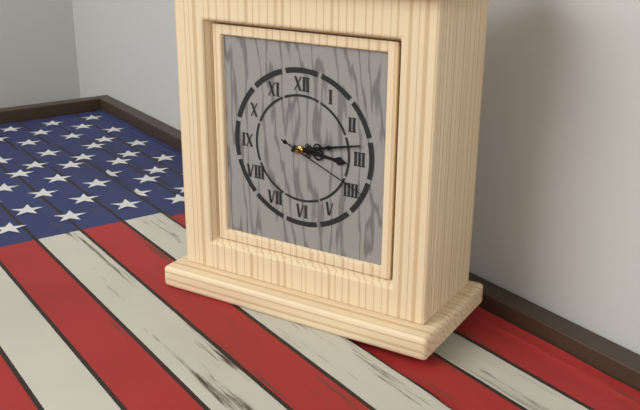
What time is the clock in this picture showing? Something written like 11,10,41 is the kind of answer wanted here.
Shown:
3,13,19
